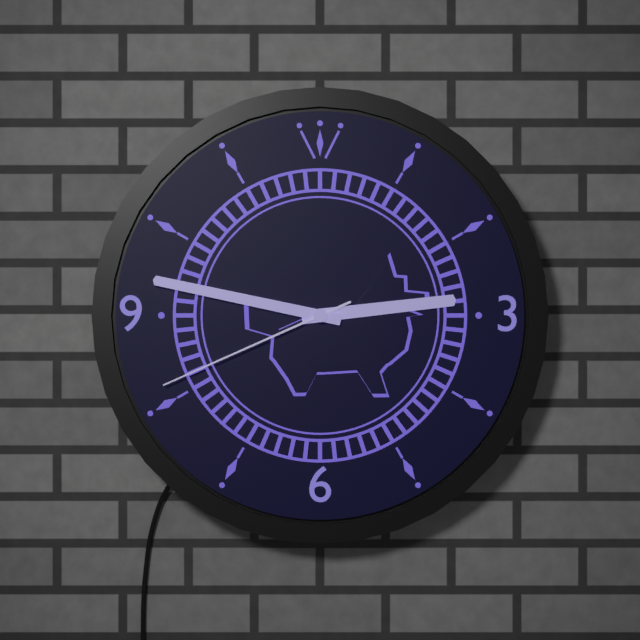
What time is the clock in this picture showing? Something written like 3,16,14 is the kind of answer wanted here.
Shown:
2,47,41
